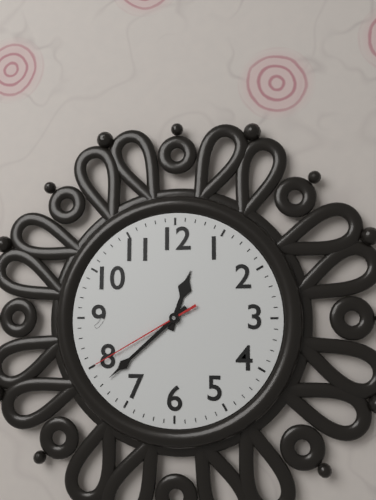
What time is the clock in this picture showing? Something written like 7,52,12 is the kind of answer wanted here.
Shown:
12,38,40
